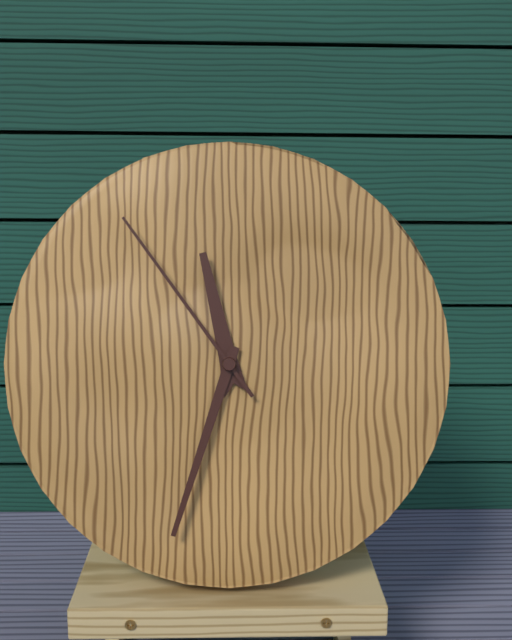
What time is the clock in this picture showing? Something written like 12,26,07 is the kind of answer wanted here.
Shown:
11,33,54
